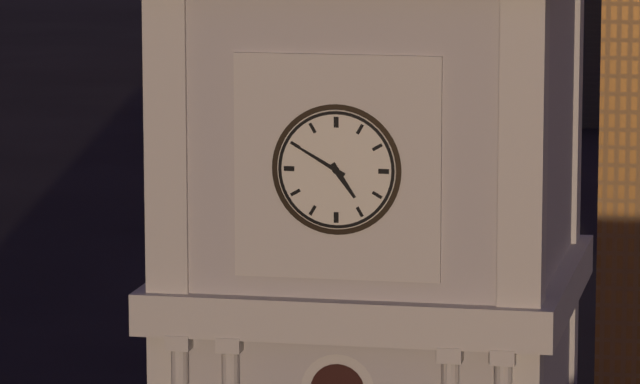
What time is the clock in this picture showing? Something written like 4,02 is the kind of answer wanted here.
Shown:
4,50
